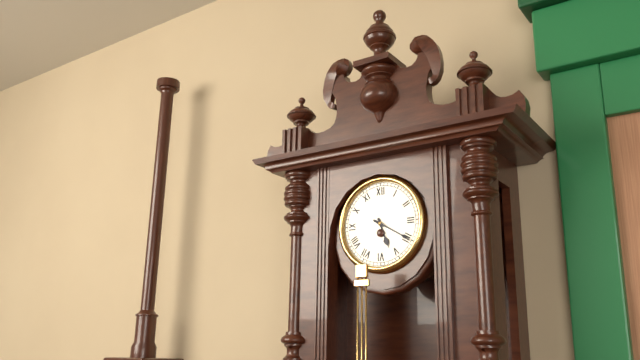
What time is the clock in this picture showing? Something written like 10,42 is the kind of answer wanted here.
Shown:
5,20
